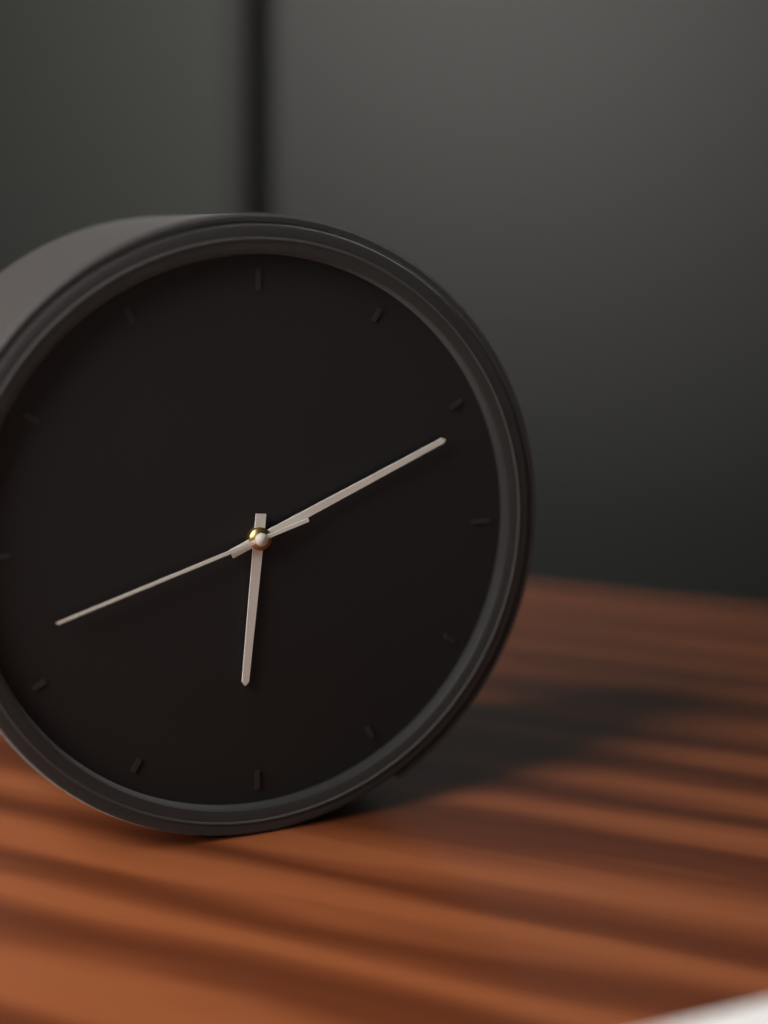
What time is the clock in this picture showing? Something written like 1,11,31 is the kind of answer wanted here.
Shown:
6,11,42
